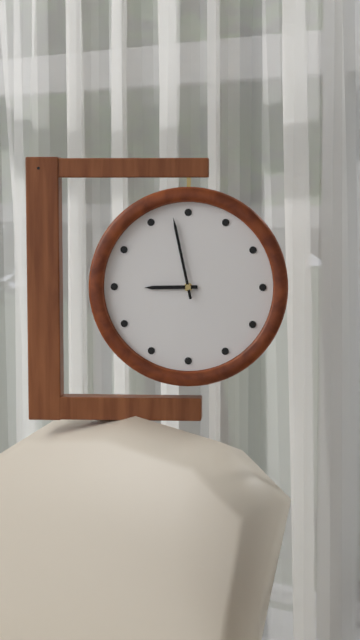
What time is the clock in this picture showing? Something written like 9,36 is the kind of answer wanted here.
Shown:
8,58
